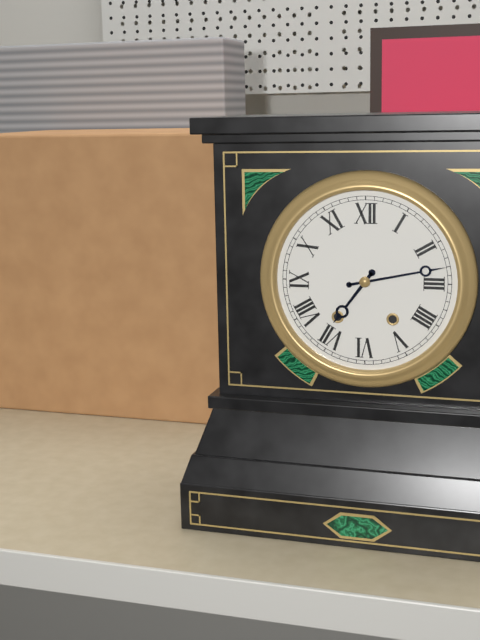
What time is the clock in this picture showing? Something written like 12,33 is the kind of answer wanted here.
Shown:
7,13
